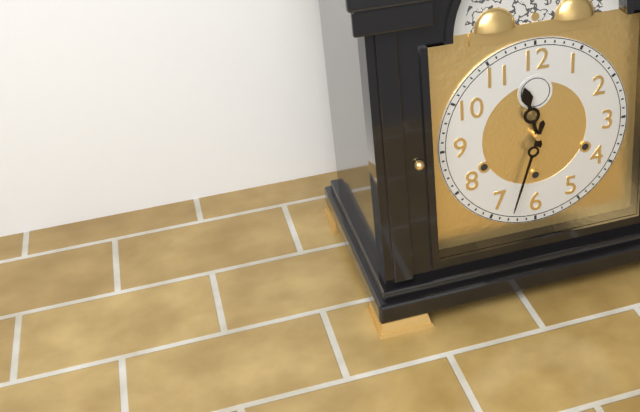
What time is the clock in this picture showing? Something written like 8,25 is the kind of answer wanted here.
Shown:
11,33
